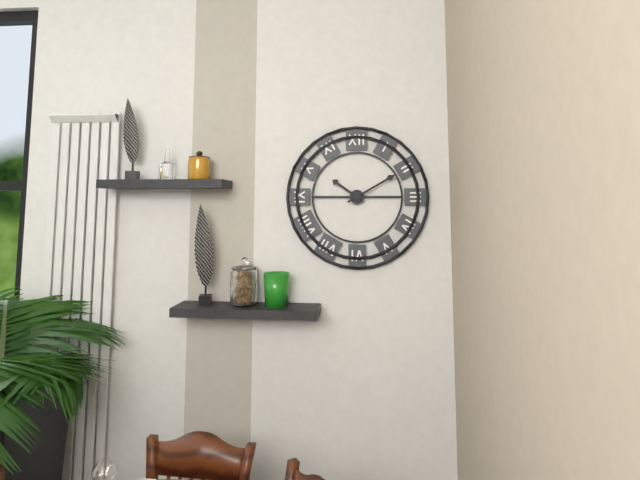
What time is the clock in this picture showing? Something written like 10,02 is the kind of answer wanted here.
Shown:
10,10
